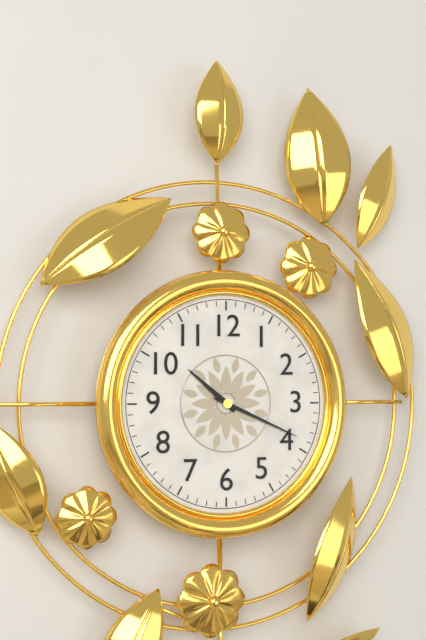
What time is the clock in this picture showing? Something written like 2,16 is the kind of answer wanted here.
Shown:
10,19
